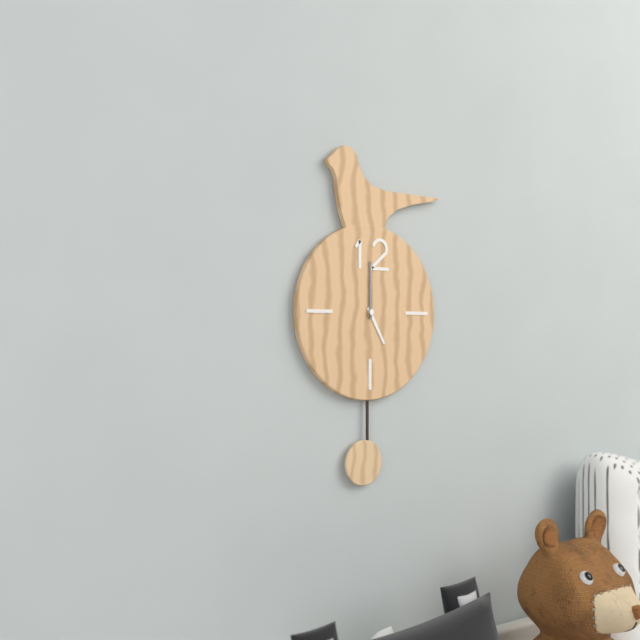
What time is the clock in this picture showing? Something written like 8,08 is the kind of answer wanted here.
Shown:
5,00
